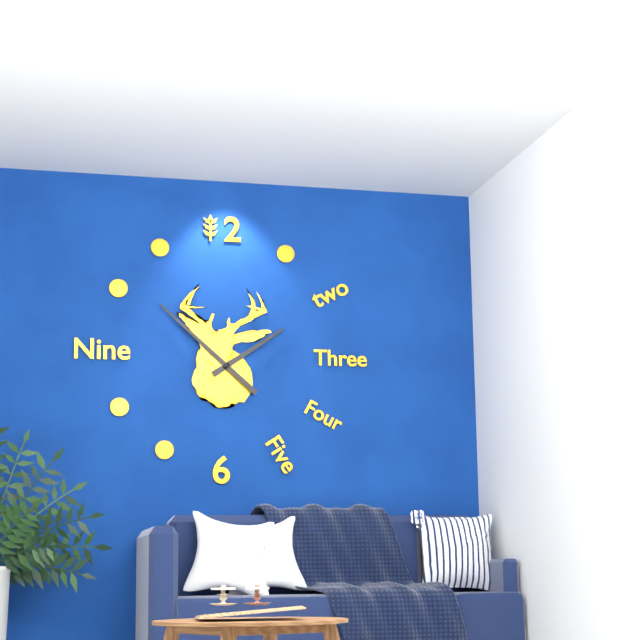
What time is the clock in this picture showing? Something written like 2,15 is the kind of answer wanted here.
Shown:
1,52
